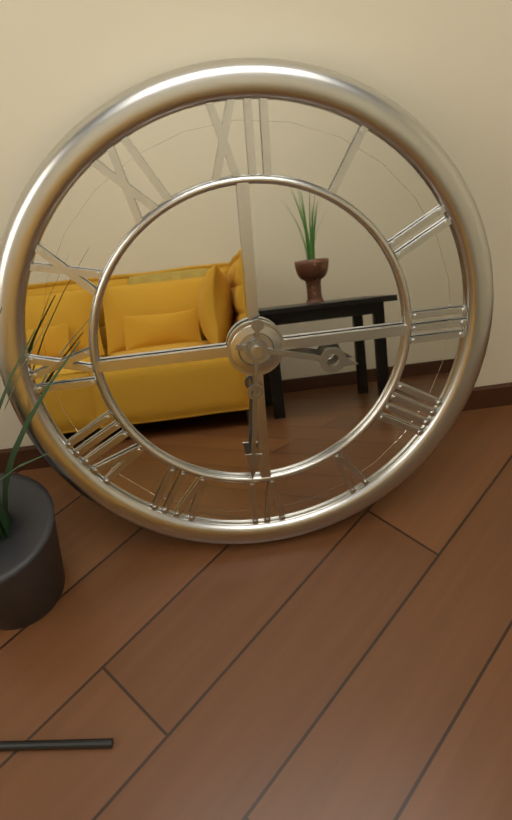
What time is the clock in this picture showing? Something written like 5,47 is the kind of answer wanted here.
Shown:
3,31
